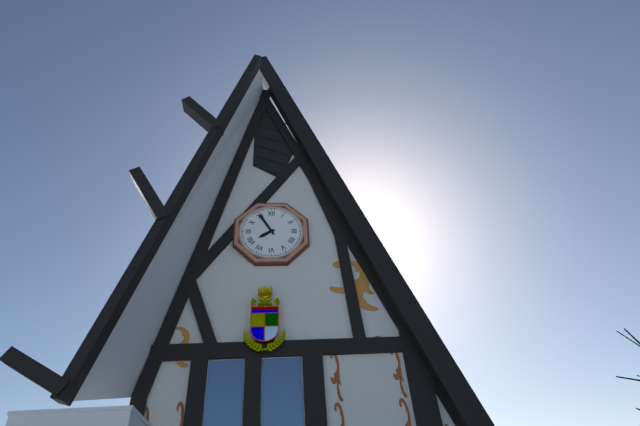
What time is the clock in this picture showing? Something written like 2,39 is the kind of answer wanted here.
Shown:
7,55
